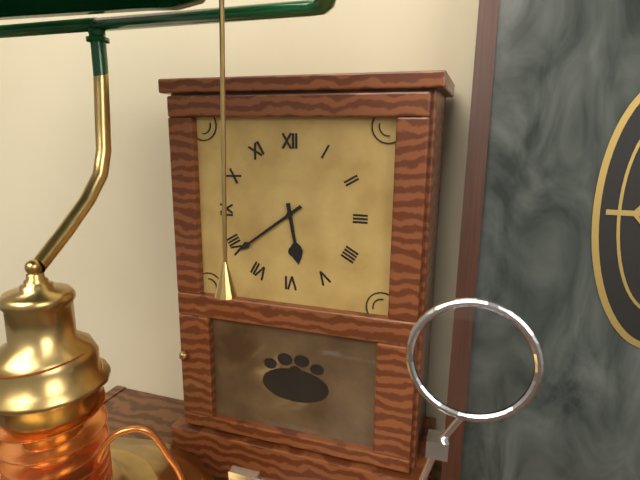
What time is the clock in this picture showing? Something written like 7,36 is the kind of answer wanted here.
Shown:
5,39
